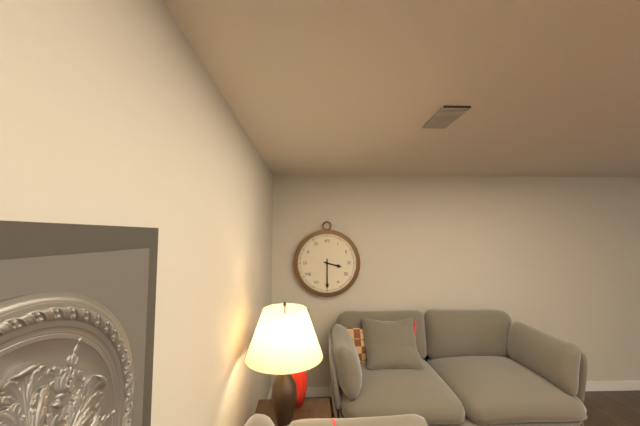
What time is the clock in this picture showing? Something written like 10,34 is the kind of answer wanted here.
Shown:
3,30
